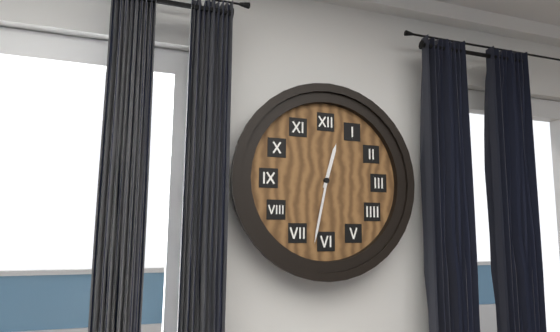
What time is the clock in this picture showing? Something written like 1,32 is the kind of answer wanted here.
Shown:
12,32
